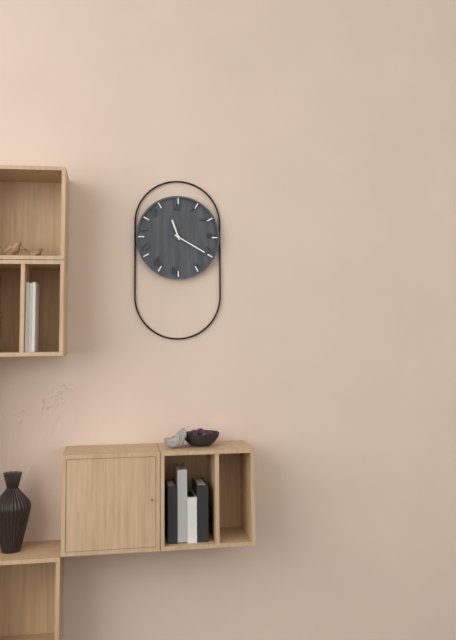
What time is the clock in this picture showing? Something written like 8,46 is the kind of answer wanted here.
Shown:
11,20
